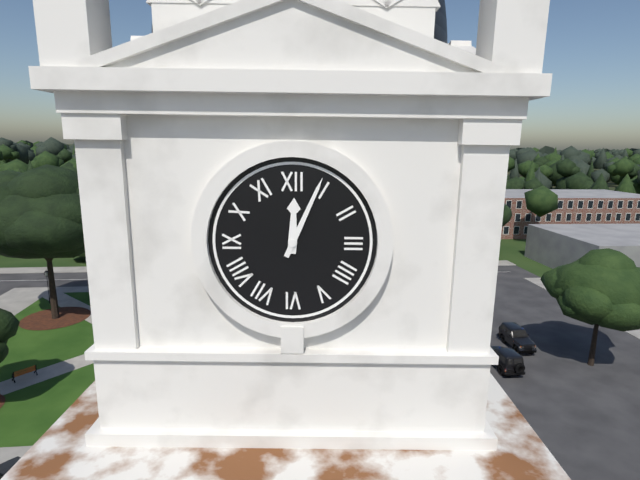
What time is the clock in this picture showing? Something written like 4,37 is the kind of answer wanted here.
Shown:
12,04
